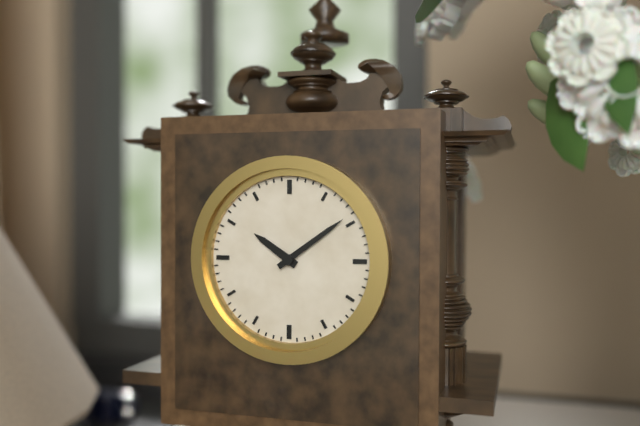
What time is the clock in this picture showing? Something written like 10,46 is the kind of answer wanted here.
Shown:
10,09
